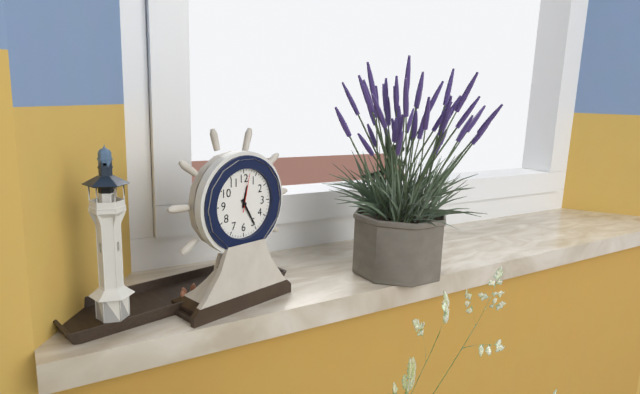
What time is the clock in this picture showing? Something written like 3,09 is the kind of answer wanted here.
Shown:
12,25
